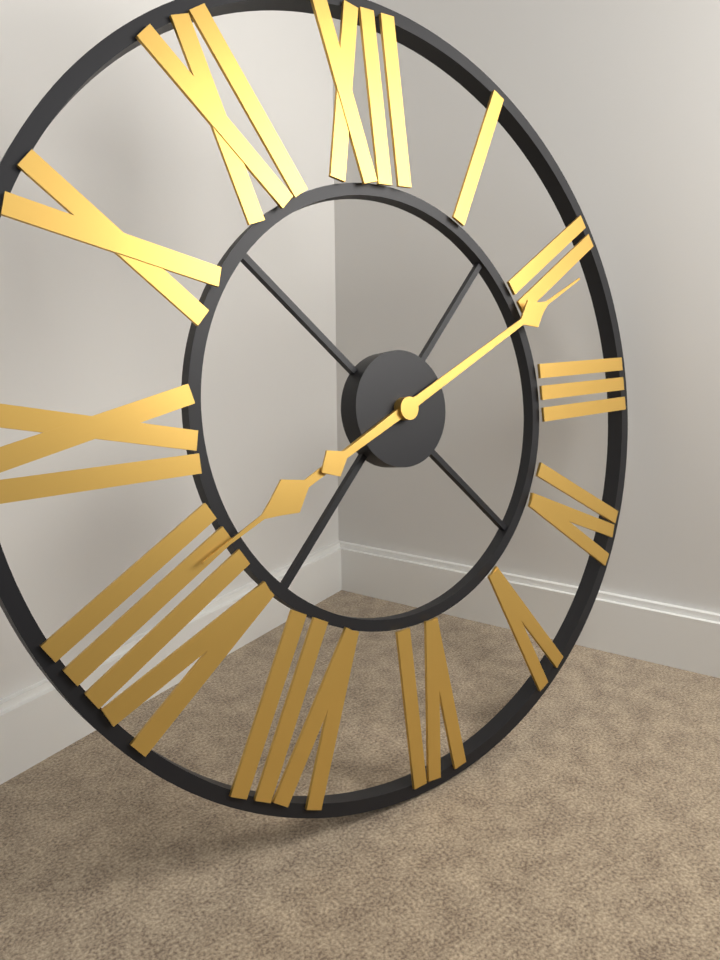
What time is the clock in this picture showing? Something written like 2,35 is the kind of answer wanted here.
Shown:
8,11
